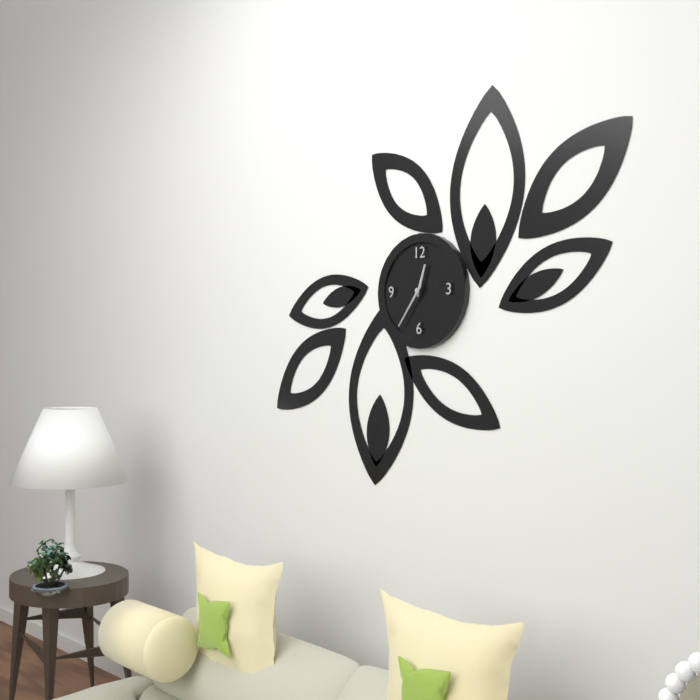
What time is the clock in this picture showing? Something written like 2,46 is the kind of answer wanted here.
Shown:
12,36
